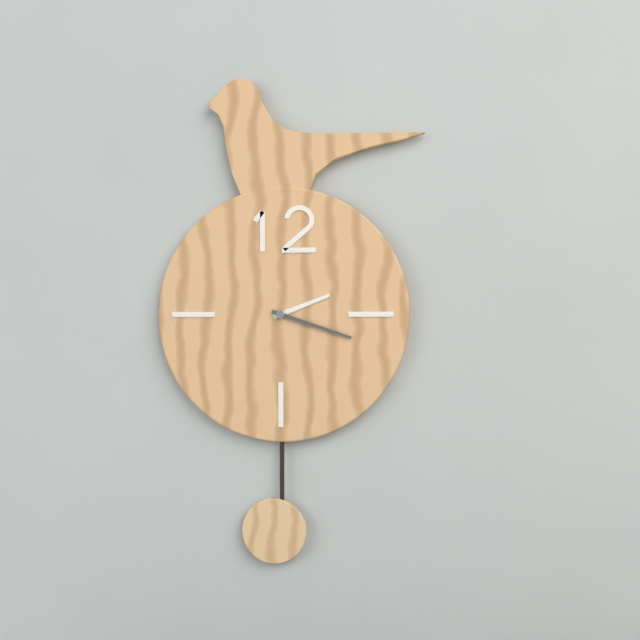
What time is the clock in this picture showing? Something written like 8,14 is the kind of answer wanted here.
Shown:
2,18
